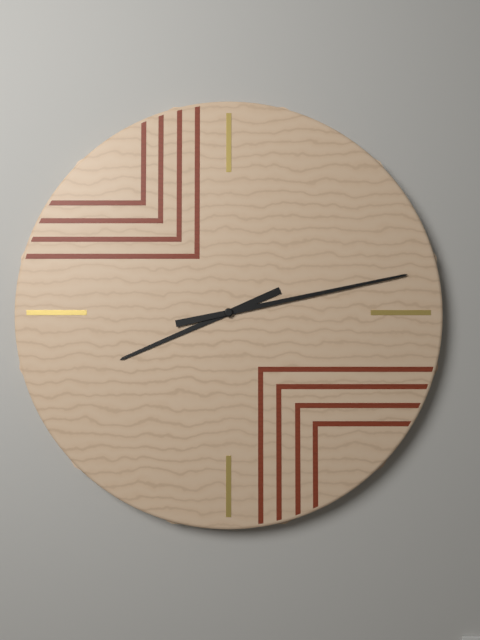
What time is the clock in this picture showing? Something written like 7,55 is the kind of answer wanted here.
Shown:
8,13
